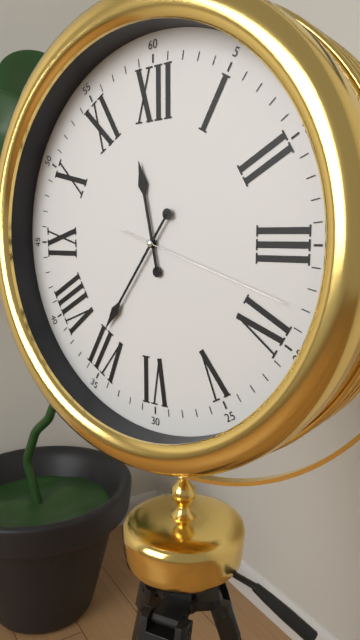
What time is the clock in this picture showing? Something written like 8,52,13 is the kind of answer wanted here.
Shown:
11,36,18
